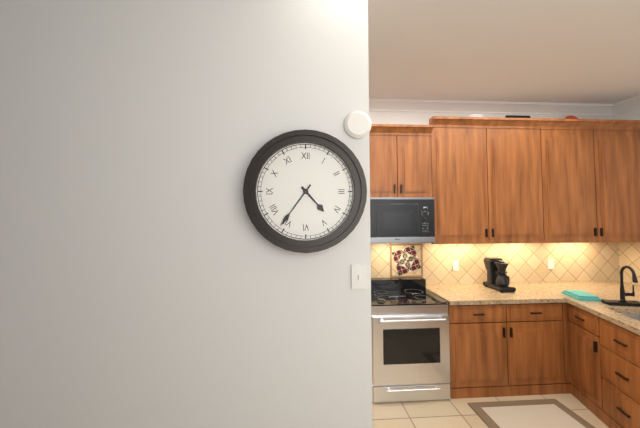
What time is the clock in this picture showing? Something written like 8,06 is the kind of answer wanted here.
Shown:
4,36
